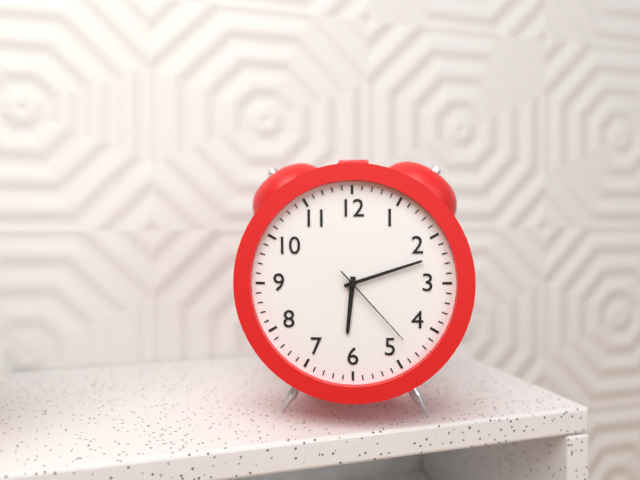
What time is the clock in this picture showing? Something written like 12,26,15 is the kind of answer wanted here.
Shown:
6,12,23
